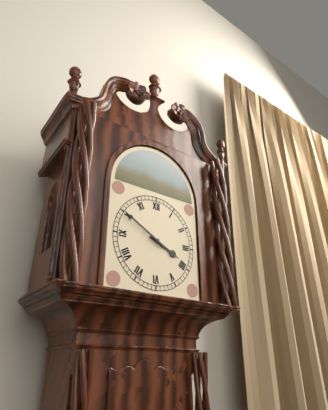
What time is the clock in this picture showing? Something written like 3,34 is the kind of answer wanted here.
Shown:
3,50
